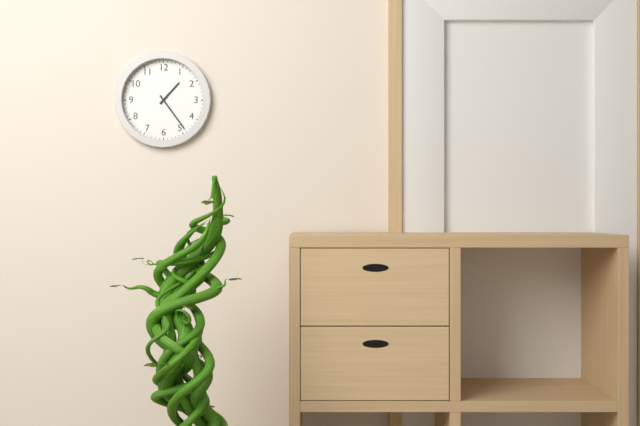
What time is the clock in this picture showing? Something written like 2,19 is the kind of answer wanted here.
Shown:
1,24
